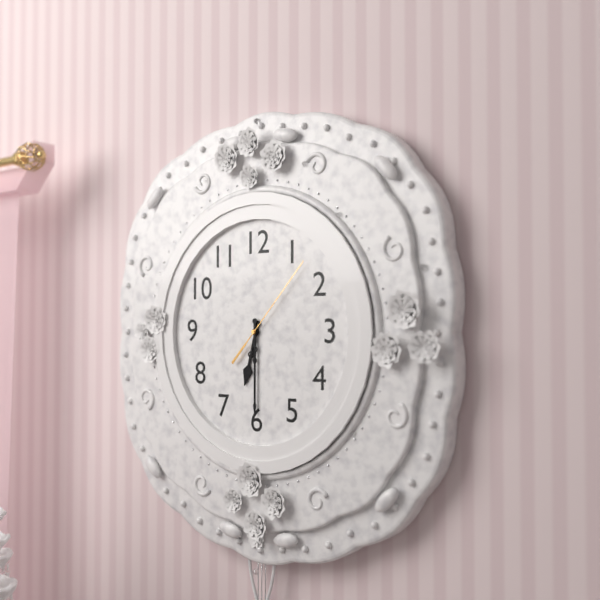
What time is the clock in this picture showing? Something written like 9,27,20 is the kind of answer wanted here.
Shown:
6,30,07
